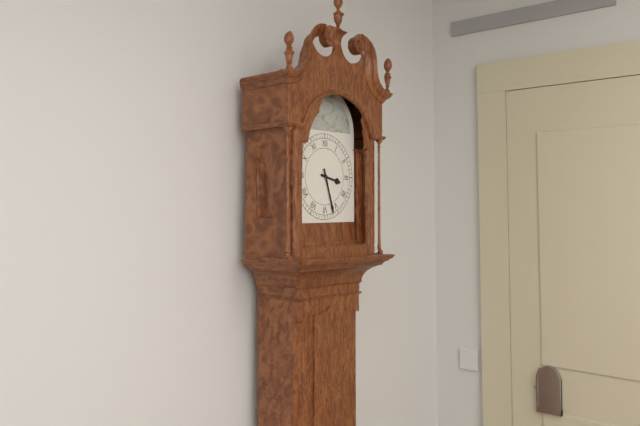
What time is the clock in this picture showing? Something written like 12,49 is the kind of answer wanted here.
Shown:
3,27
